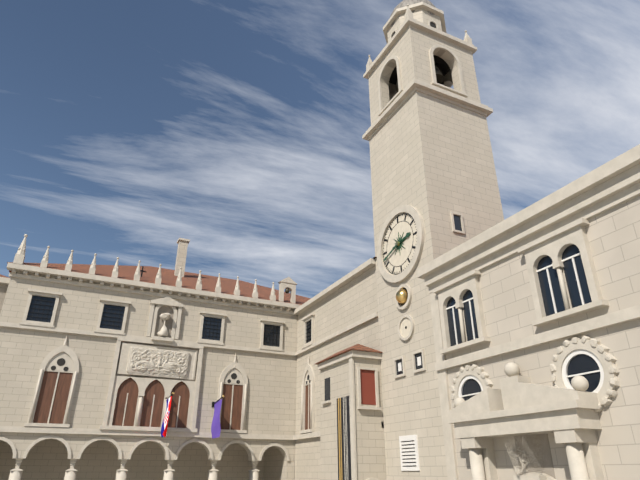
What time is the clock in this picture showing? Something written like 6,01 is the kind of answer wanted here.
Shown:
2,42
